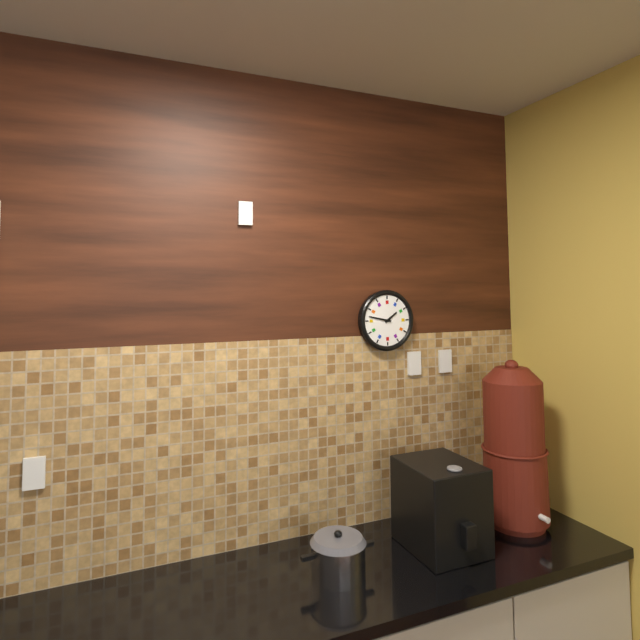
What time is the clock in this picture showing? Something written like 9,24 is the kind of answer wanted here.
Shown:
1,47
